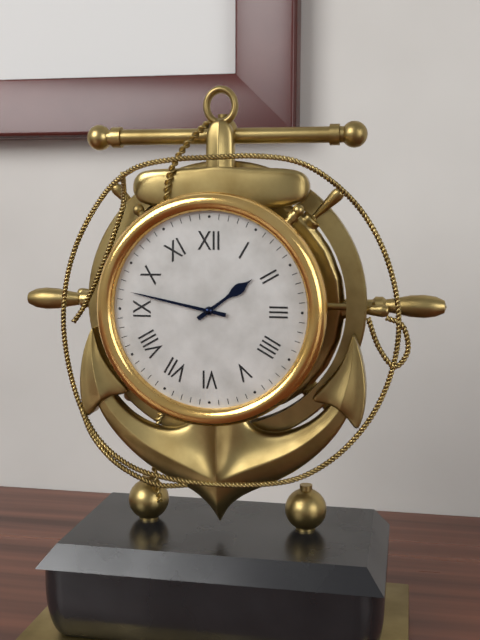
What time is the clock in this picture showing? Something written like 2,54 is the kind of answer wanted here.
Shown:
1,47
